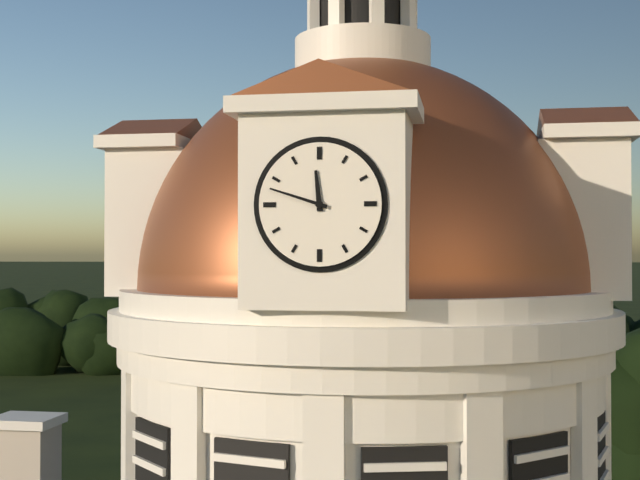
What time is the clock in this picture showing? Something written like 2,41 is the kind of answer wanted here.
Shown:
11,48
